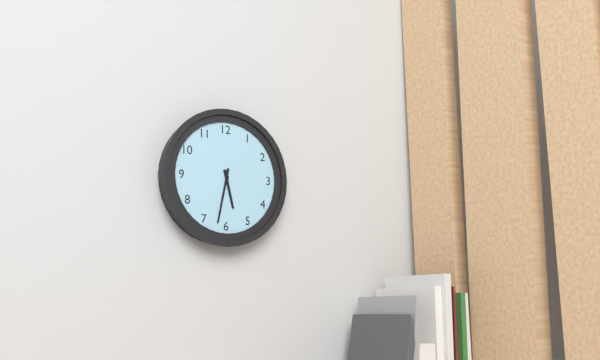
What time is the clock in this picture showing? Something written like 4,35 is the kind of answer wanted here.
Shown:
5,32
